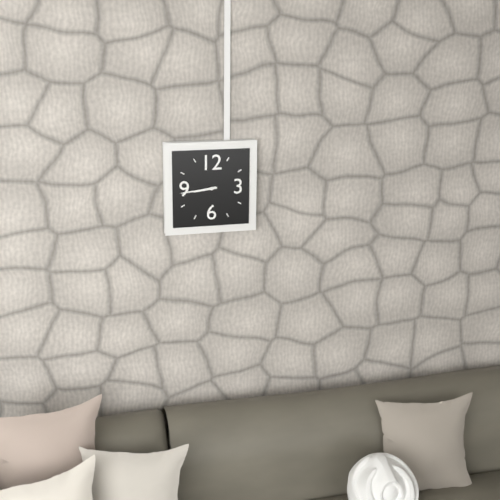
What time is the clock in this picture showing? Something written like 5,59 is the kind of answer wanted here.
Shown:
8,44
